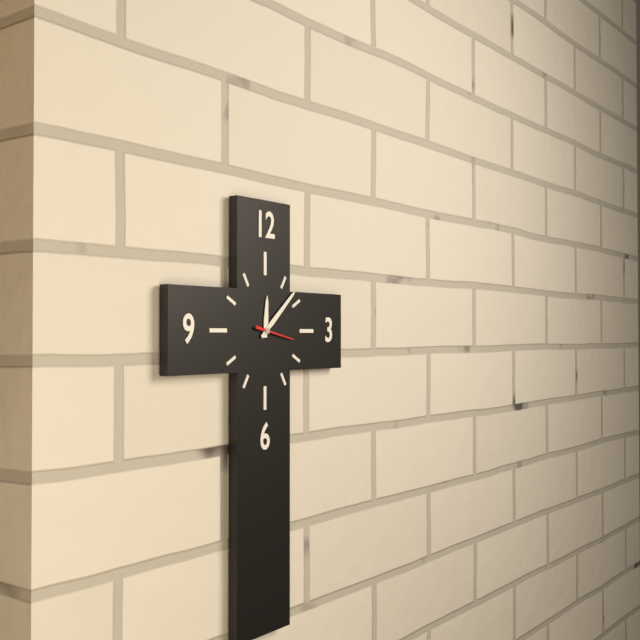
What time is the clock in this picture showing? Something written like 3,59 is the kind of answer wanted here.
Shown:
12,08
